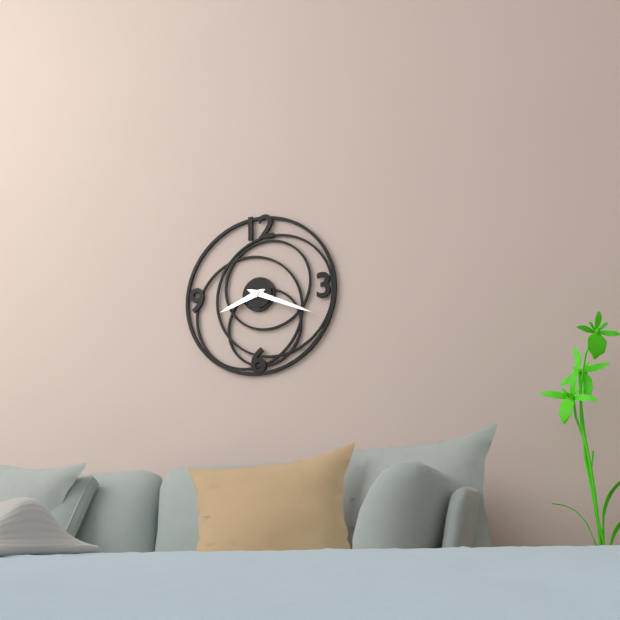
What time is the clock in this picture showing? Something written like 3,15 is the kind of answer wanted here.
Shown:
8,19
